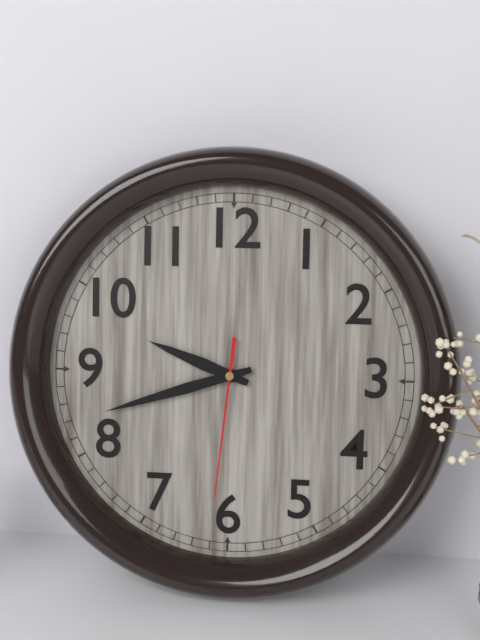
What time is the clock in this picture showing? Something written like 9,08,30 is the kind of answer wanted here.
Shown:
9,42,31
